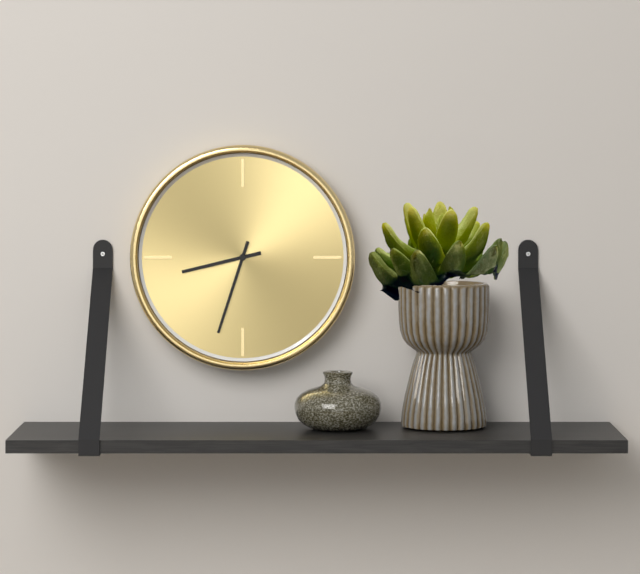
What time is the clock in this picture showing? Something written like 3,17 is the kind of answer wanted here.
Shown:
8,33
